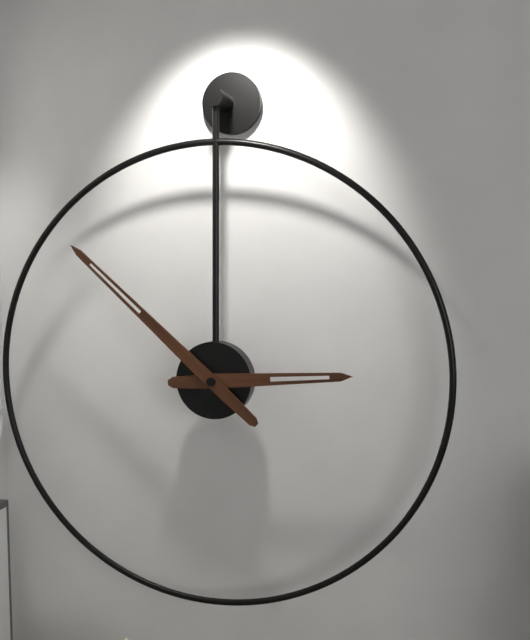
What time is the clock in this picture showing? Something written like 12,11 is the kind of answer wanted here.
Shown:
2,52
